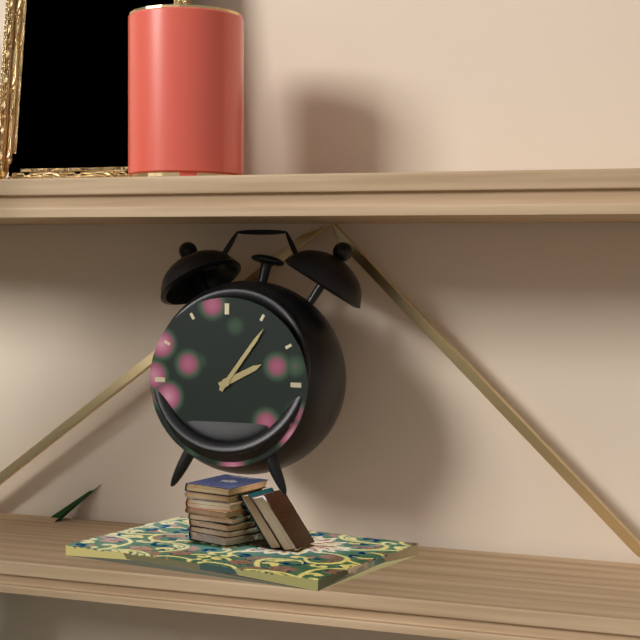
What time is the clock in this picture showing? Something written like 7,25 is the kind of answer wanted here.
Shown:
2,06
